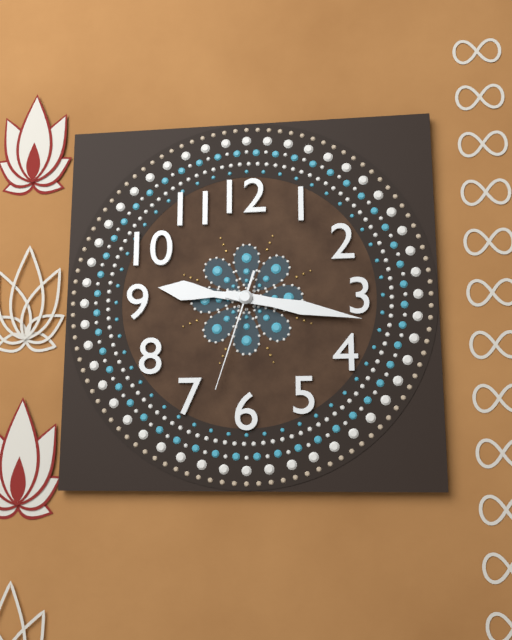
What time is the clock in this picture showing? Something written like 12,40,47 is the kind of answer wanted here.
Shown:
9,17,33
